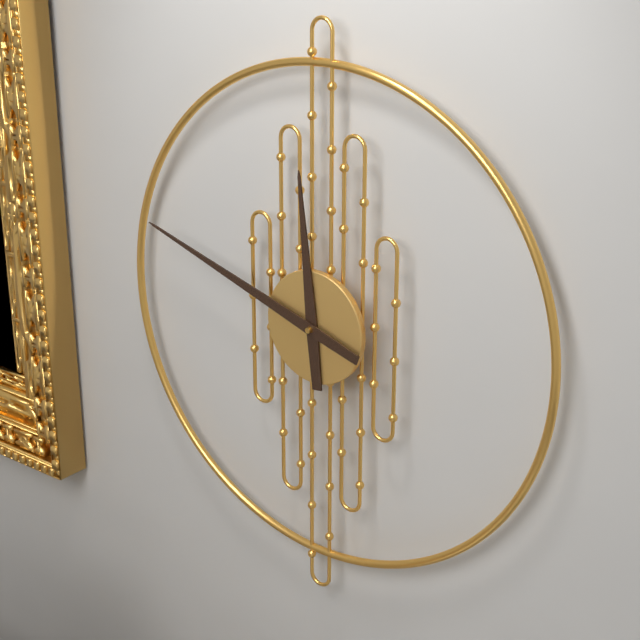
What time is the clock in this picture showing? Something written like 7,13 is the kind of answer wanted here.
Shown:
11,48
